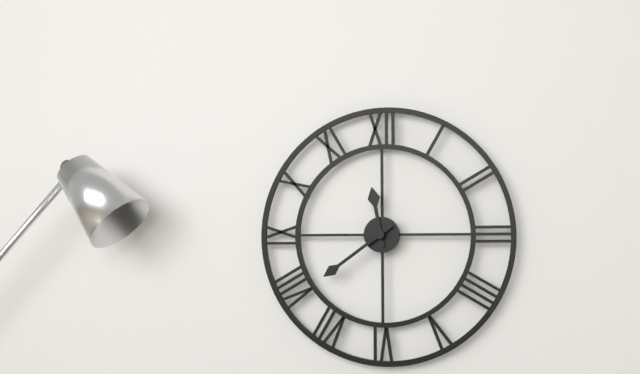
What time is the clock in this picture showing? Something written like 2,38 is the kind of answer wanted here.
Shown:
11,39
